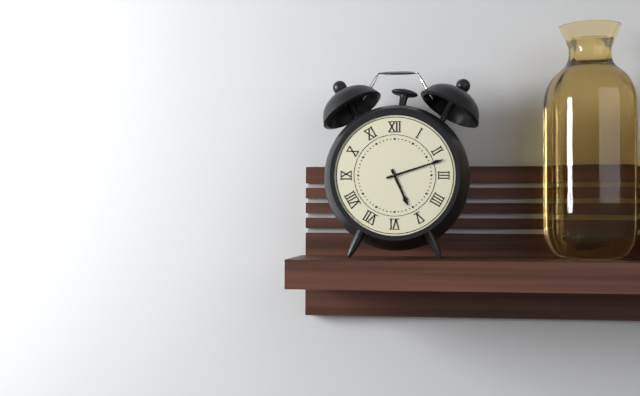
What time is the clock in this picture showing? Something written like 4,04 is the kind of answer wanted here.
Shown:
5,12
